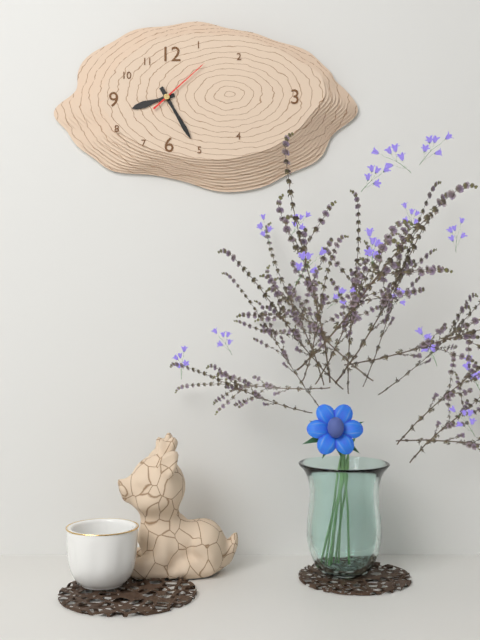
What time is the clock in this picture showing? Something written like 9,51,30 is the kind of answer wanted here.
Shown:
8,25,08
